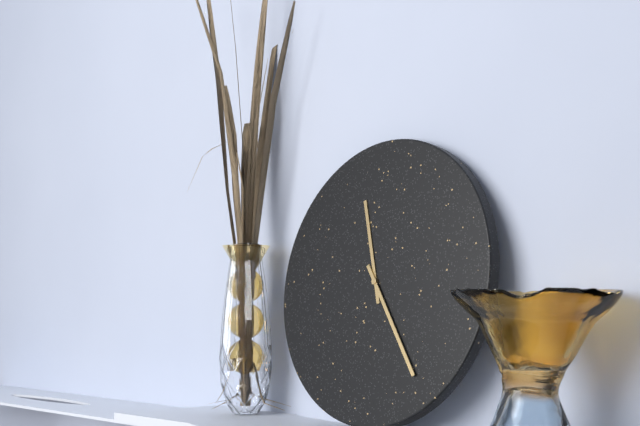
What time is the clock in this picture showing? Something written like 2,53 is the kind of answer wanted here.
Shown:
11,24
